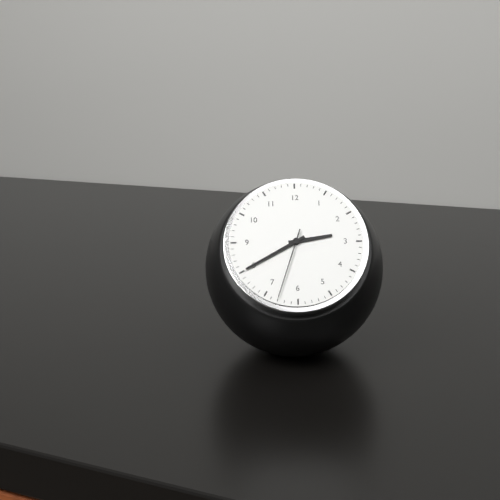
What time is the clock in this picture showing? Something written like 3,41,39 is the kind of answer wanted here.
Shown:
2,40,33
